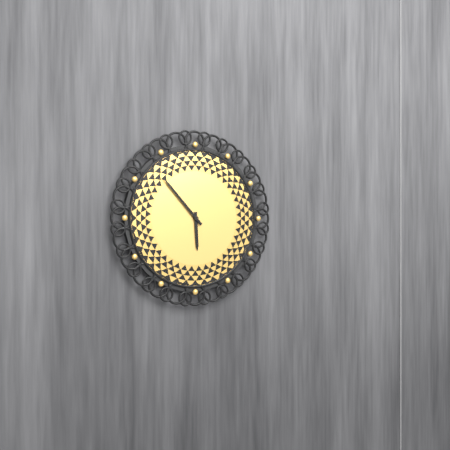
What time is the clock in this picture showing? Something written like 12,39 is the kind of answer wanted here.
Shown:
5,53
